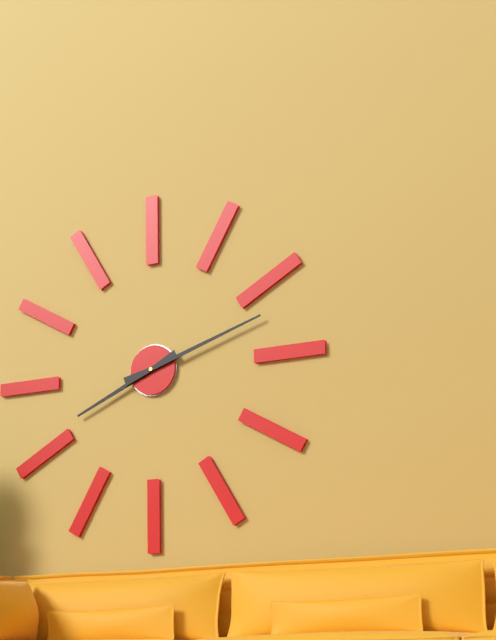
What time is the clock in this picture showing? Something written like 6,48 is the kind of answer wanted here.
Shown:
8,12
